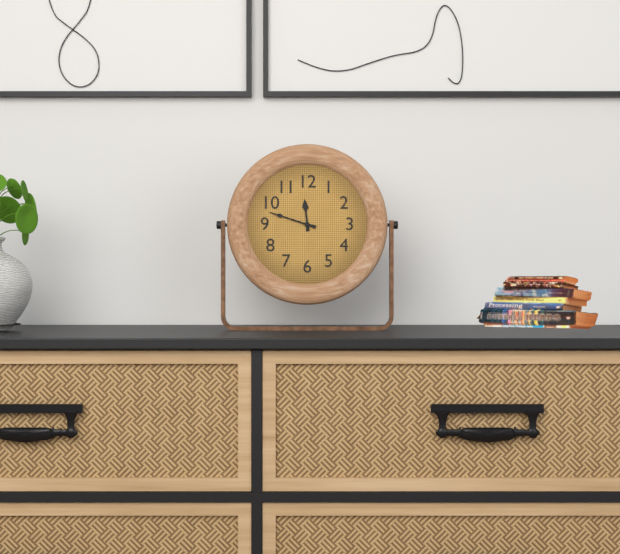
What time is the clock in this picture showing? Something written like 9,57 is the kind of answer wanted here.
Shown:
11,48
